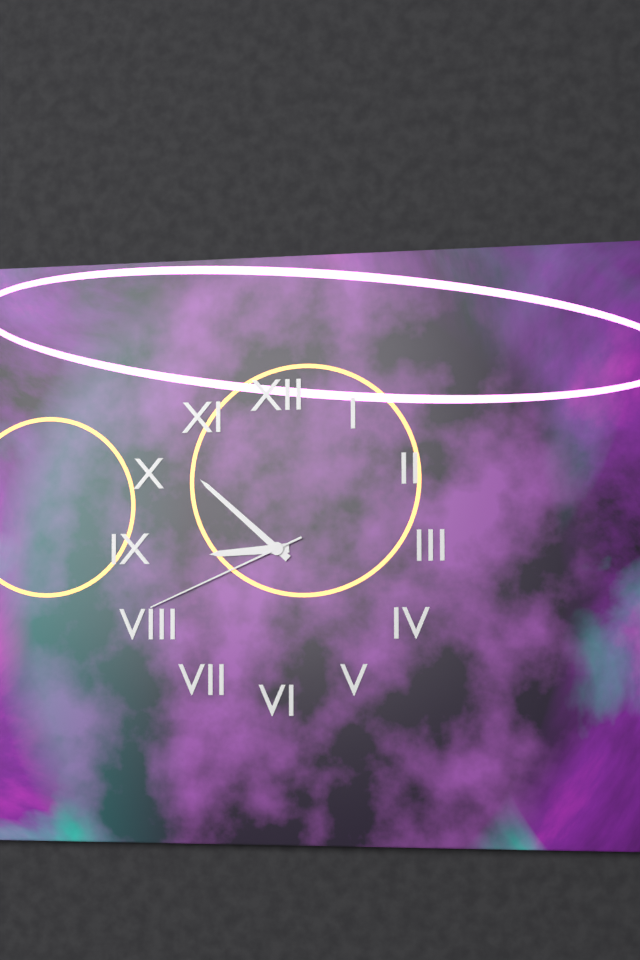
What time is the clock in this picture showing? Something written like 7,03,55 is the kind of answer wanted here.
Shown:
8,52,41
